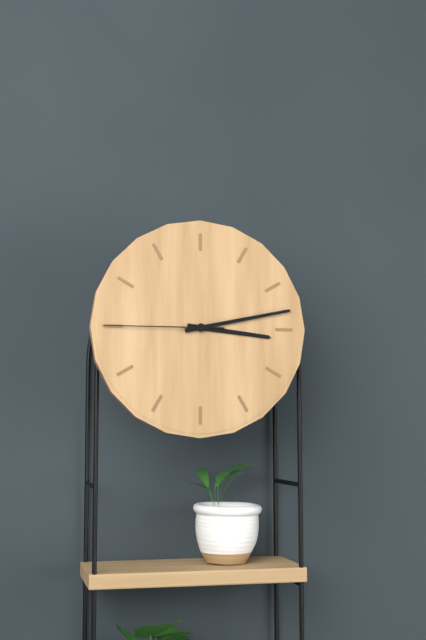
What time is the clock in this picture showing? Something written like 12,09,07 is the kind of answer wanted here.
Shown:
3,13,45
